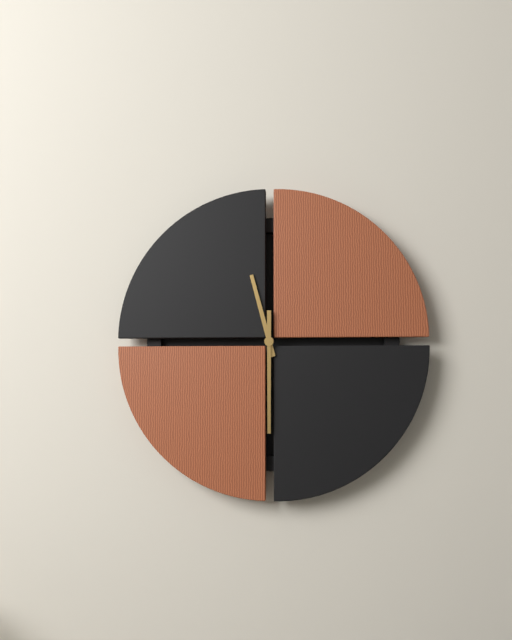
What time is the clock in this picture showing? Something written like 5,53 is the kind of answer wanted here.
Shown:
11,30
